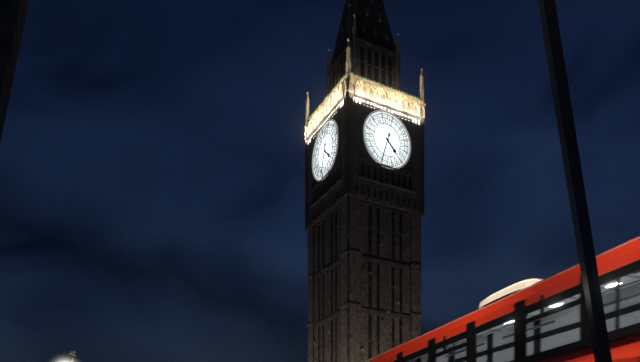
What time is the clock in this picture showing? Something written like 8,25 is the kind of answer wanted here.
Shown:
4,33
